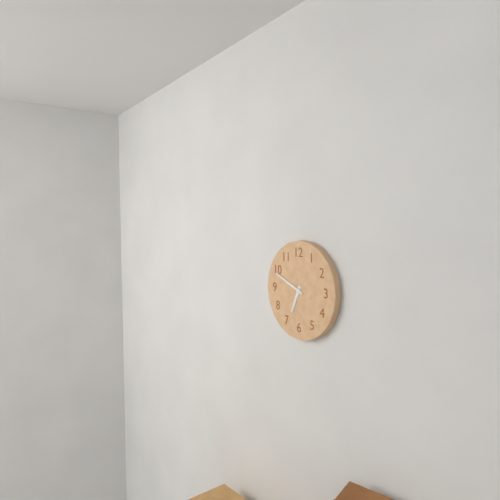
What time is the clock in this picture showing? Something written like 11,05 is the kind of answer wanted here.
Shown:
6,49
